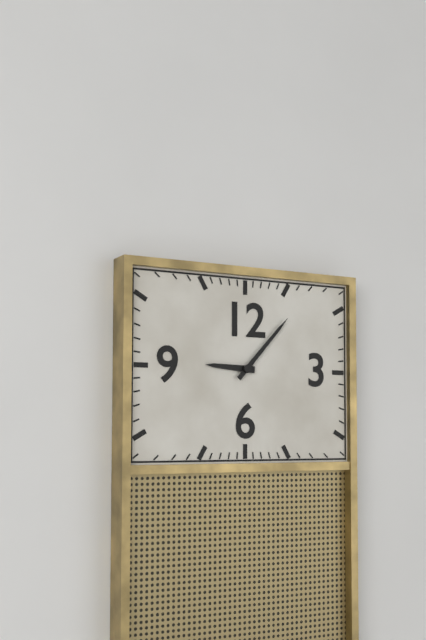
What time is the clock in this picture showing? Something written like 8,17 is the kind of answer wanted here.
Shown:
9,07
